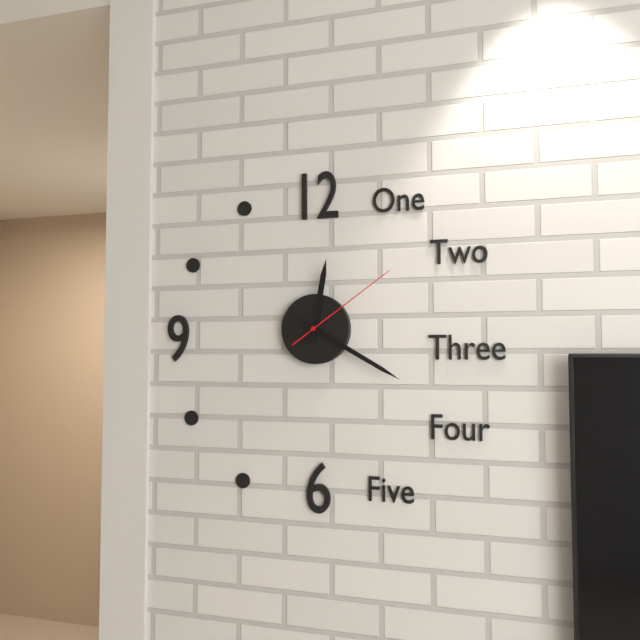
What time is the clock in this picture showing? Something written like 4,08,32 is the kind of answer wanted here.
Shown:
12,20,09
